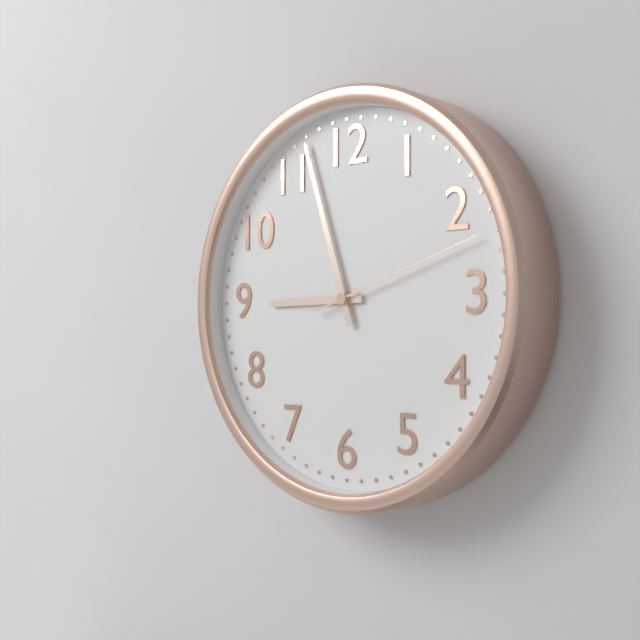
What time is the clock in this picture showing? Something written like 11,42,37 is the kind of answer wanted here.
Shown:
8,57,12
